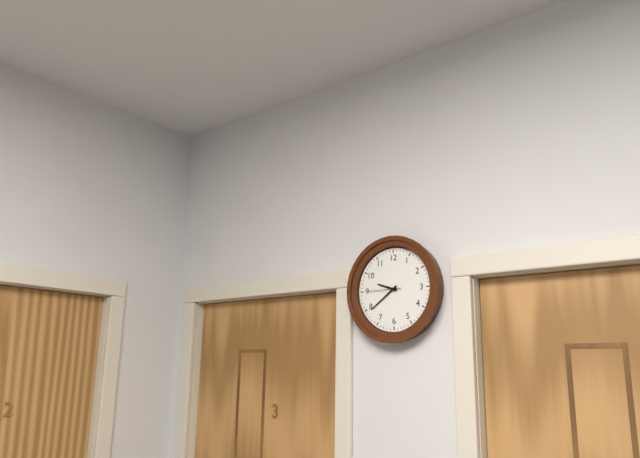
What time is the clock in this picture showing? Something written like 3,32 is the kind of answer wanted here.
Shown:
9,39
